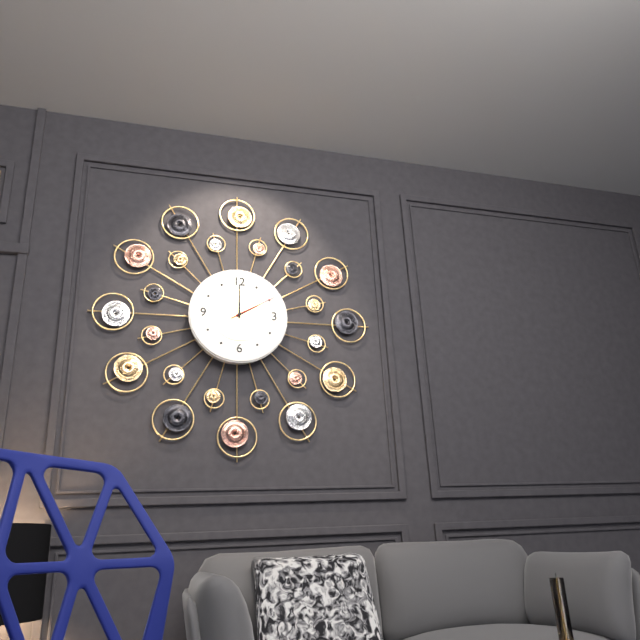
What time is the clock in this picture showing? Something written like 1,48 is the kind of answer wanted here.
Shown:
2,00
